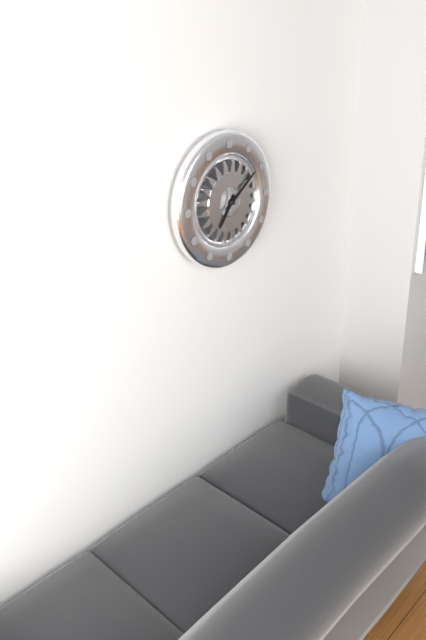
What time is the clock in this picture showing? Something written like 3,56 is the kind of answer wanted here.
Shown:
7,09
